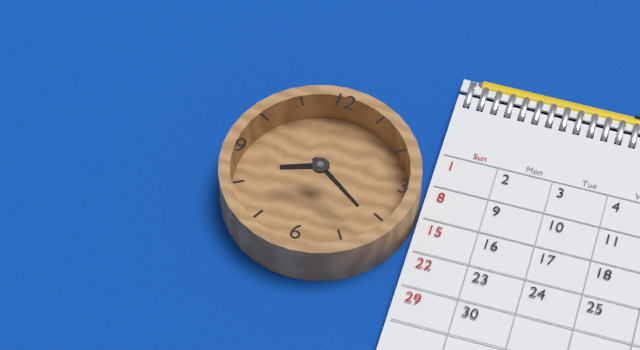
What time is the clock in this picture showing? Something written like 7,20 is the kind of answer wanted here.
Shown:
8,21
